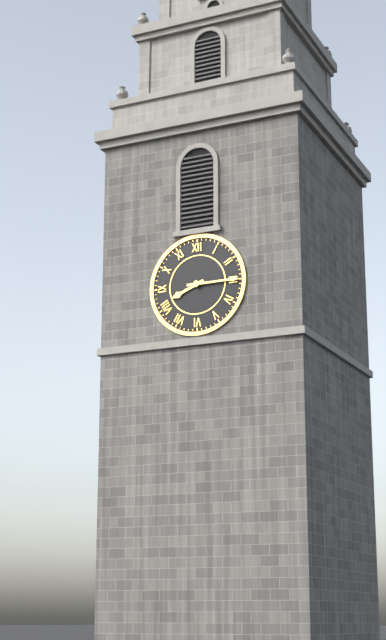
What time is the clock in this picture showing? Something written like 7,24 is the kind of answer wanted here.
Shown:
8,15
